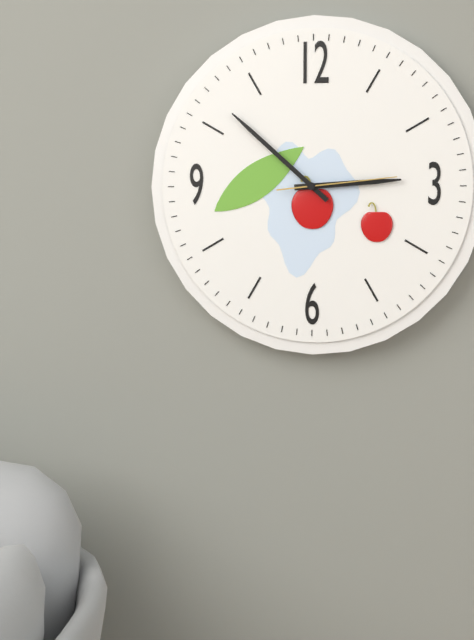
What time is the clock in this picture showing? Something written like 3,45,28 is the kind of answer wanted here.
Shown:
2,52,14
